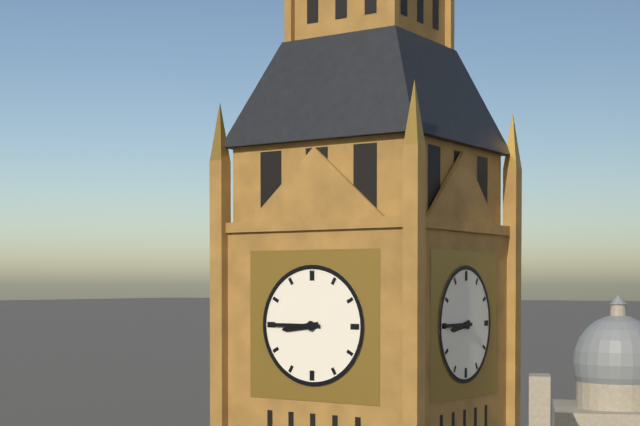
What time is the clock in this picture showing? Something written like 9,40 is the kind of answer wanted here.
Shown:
8,45
